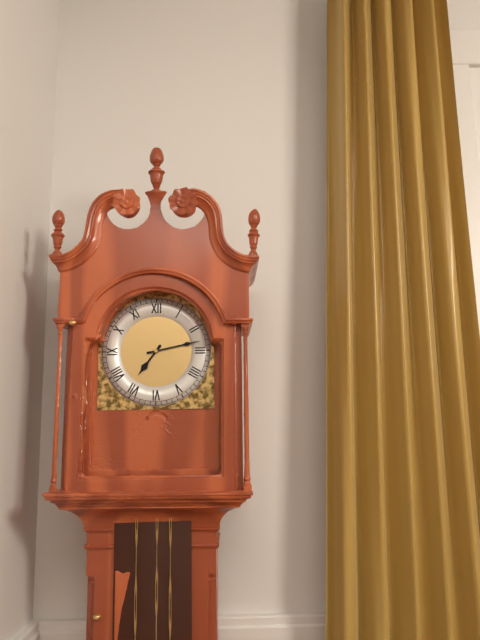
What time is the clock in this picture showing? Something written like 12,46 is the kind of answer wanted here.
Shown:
7,13
